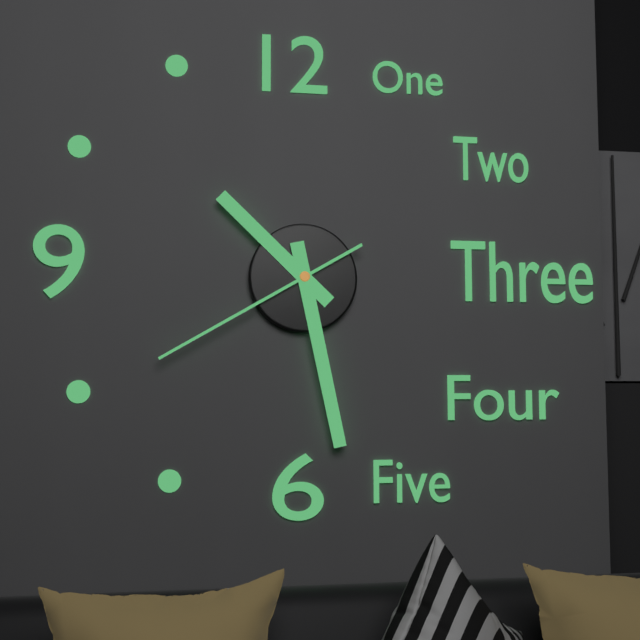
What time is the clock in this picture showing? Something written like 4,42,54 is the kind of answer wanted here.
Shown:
10,28,40
